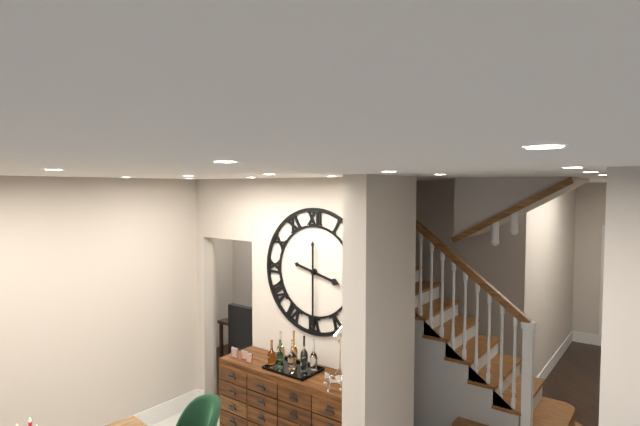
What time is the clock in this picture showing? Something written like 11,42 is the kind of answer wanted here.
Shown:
3,30
